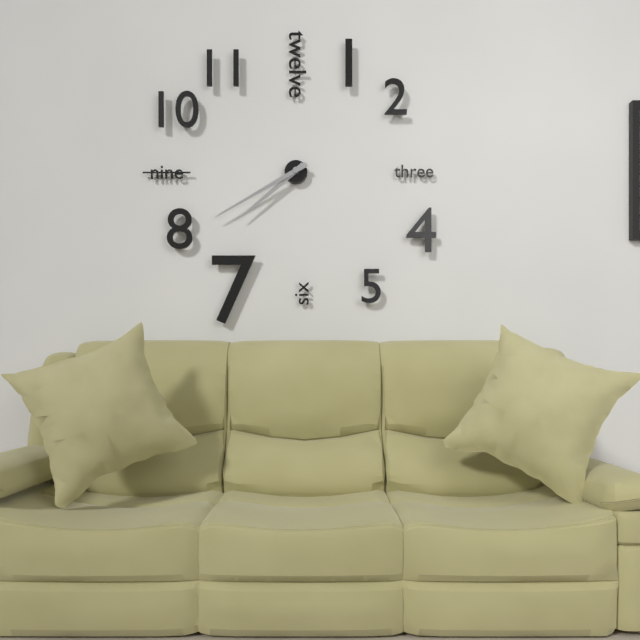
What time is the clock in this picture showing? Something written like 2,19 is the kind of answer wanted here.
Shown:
7,40
